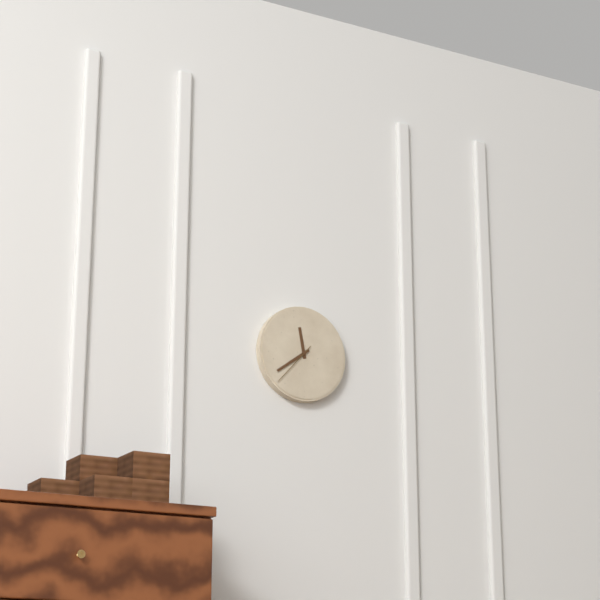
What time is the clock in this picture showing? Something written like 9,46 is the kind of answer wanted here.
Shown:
11,39
